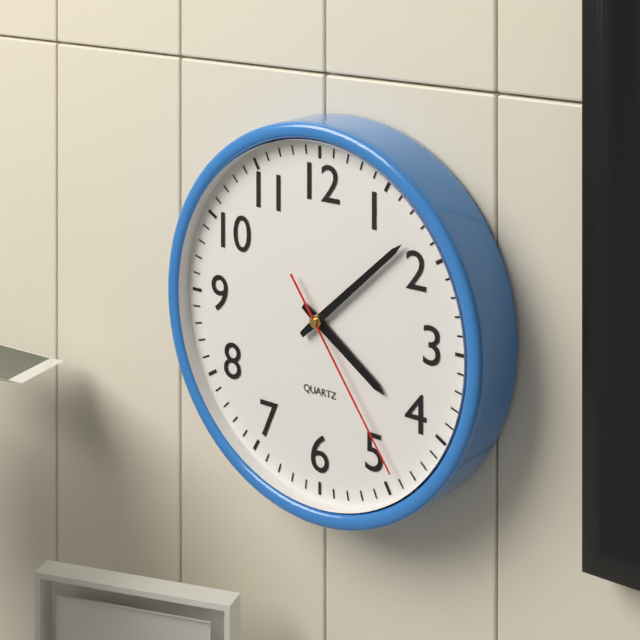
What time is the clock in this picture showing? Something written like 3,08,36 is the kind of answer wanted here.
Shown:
4,08,24
